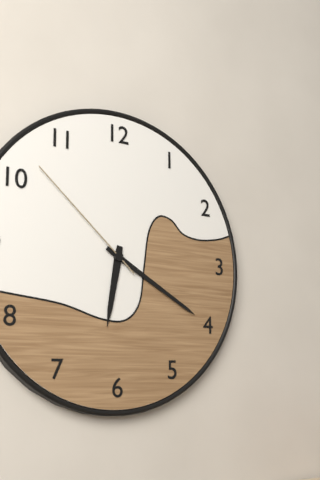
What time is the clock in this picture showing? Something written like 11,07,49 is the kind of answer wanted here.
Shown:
6,20,52
